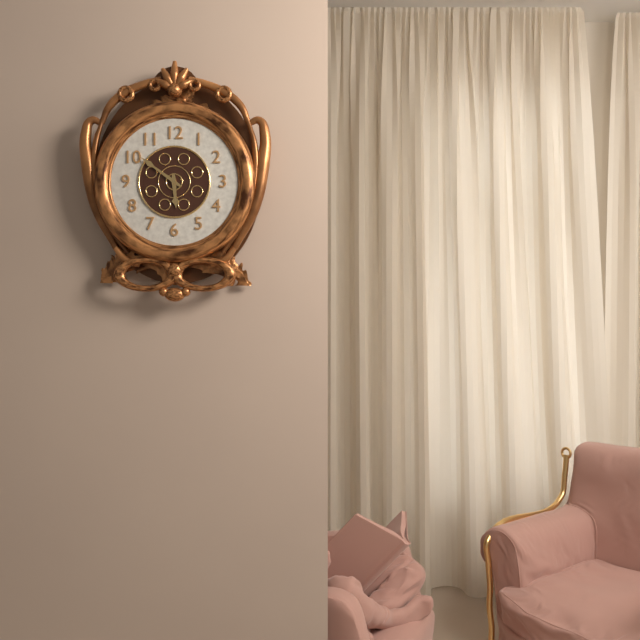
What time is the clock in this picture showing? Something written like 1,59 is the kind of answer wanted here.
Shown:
5,51
